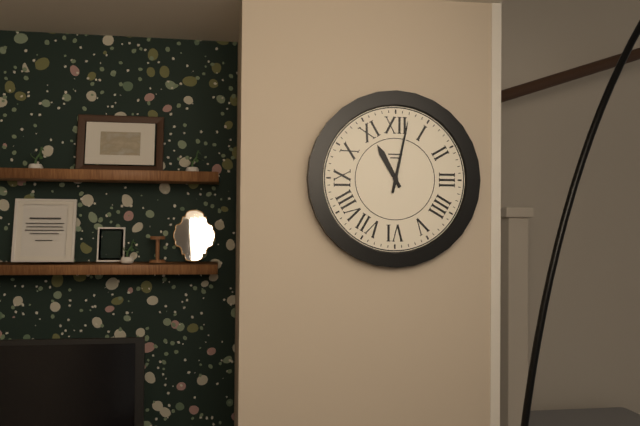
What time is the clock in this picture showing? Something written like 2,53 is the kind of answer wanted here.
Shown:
11,02
